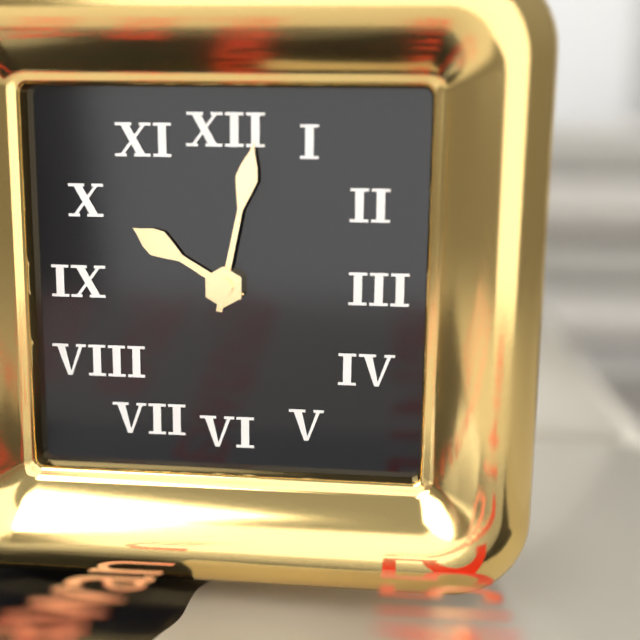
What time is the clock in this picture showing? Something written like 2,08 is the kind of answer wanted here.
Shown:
10,02
